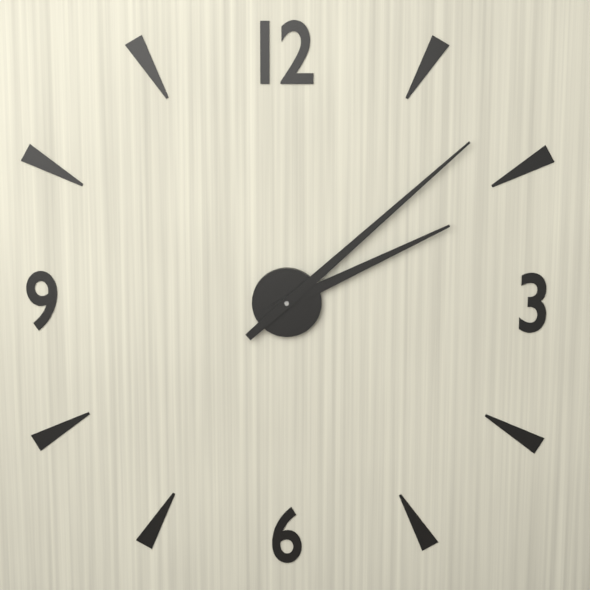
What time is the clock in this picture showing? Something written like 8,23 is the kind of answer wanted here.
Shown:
2,08
